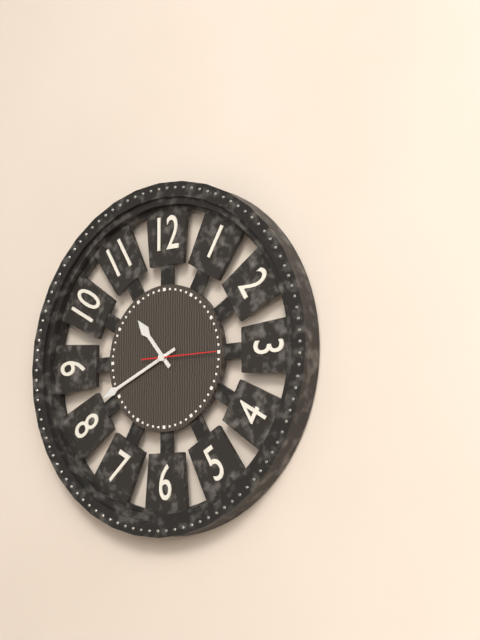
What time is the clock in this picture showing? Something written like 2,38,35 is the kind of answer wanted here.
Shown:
10,41,15
